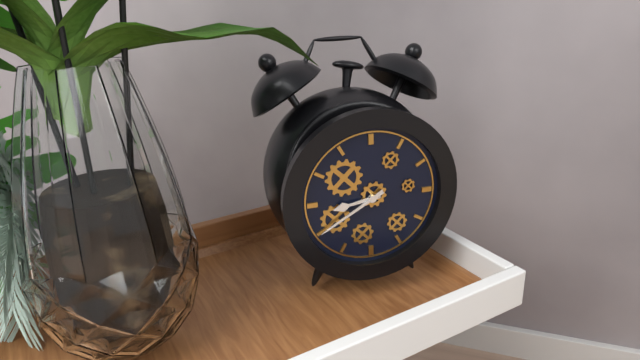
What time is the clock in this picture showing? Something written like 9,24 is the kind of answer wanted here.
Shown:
8,40
